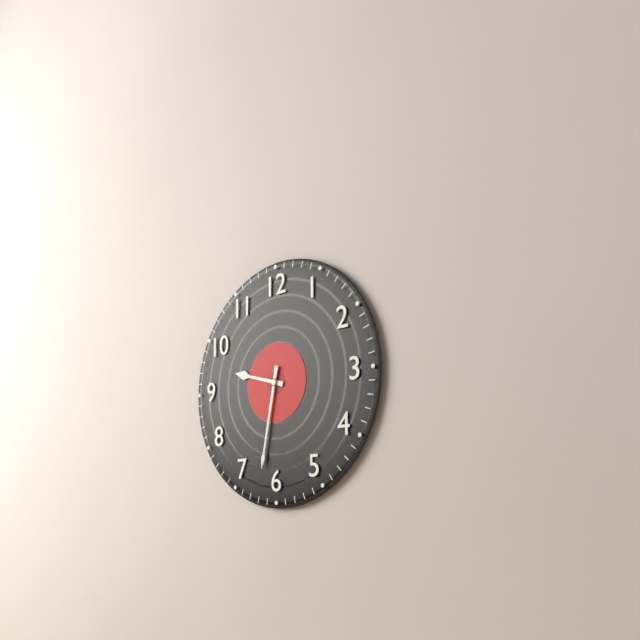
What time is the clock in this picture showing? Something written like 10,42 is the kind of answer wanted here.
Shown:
9,32
